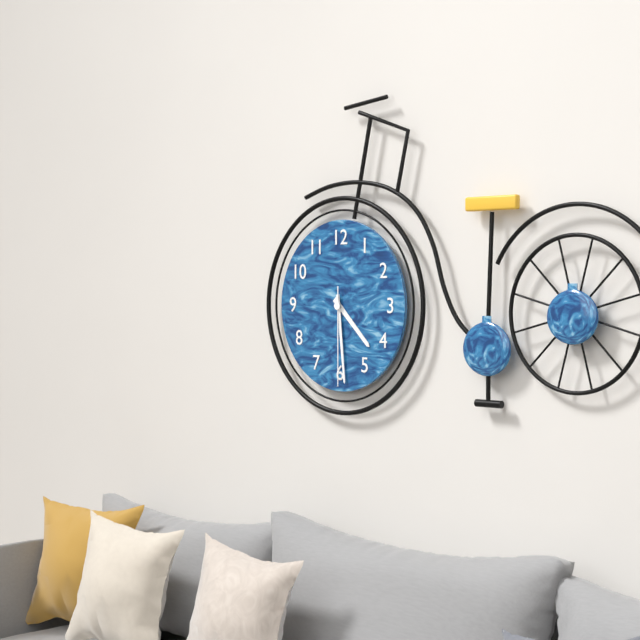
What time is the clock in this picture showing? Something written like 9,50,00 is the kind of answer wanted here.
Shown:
4,29,30
